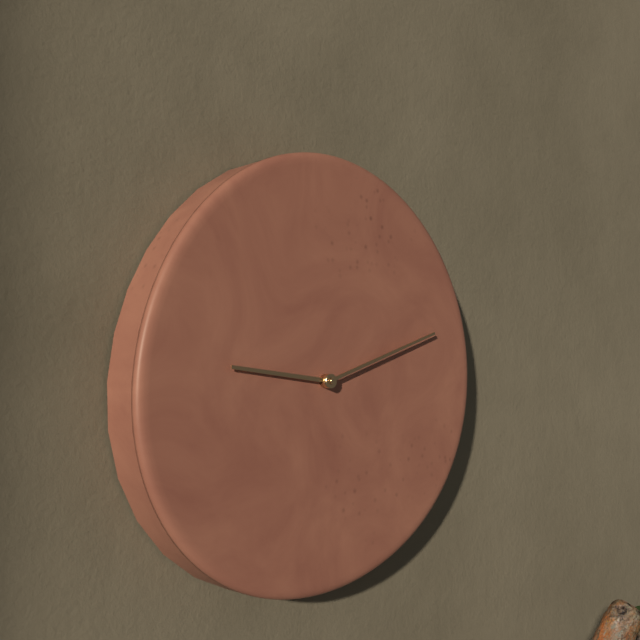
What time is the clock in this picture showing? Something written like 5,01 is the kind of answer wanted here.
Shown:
9,12
